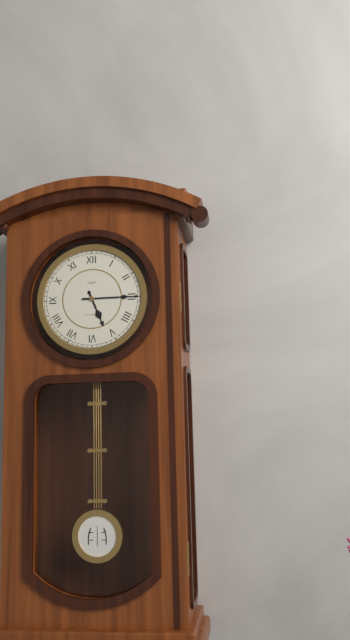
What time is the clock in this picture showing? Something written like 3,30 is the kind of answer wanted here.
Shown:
5,15
